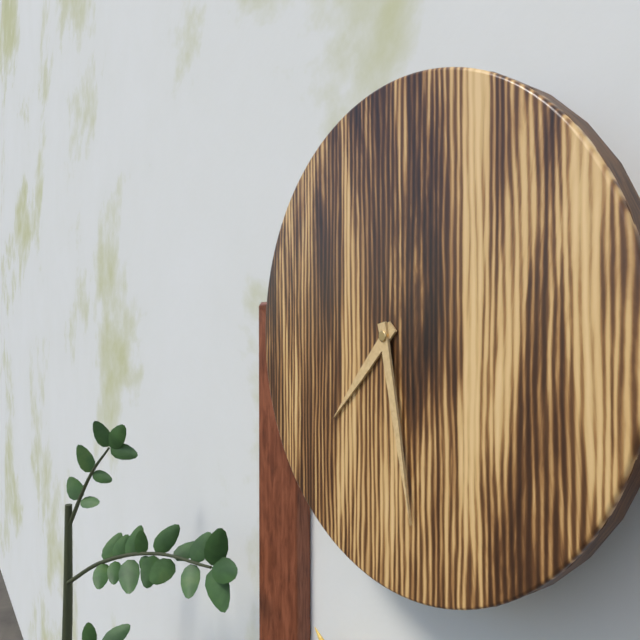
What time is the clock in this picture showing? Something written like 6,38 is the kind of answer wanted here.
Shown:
7,28
